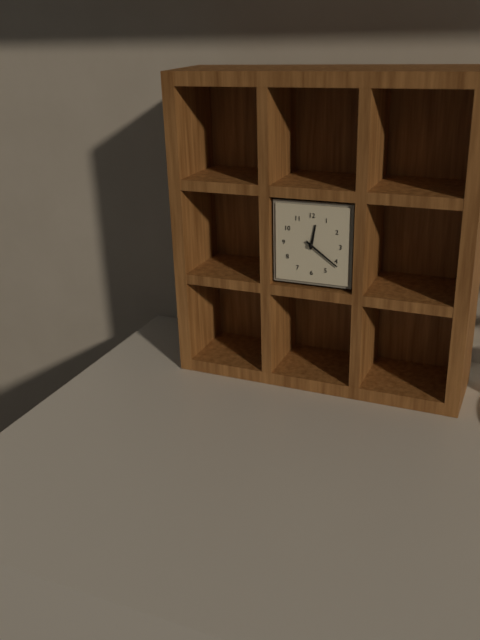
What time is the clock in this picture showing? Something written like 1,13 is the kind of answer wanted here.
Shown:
12,21
